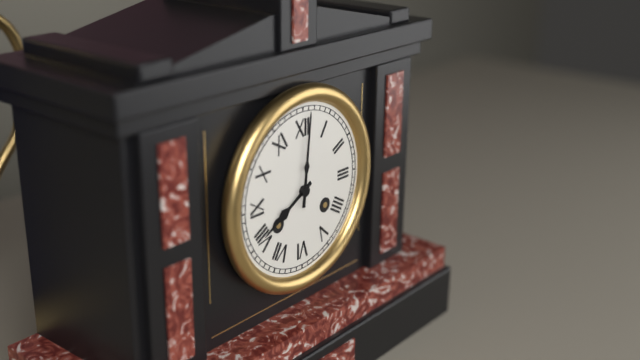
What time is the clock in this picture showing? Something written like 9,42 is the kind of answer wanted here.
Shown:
8,01
